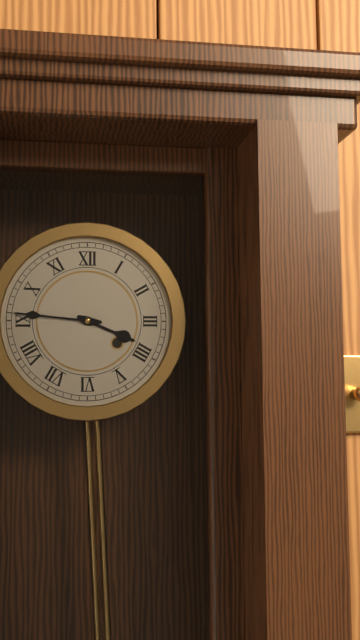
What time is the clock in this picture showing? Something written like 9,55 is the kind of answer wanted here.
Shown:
3,46
